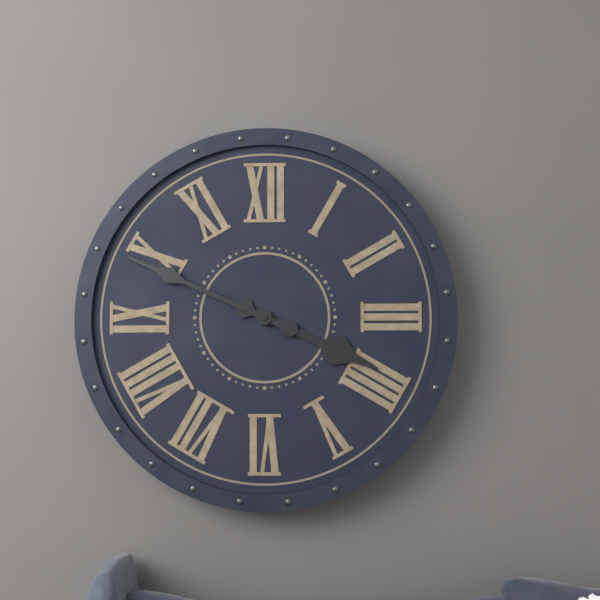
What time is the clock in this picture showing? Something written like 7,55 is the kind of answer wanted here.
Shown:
3,49
